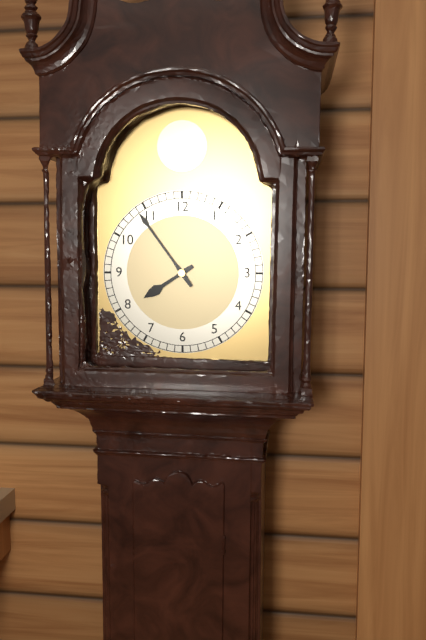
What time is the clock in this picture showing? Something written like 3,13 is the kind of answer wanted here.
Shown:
7,54
